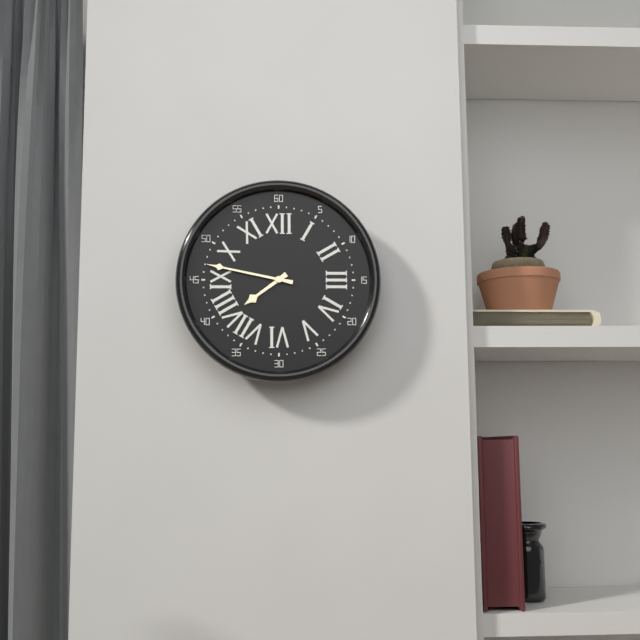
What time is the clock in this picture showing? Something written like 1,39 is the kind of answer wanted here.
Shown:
7,47
